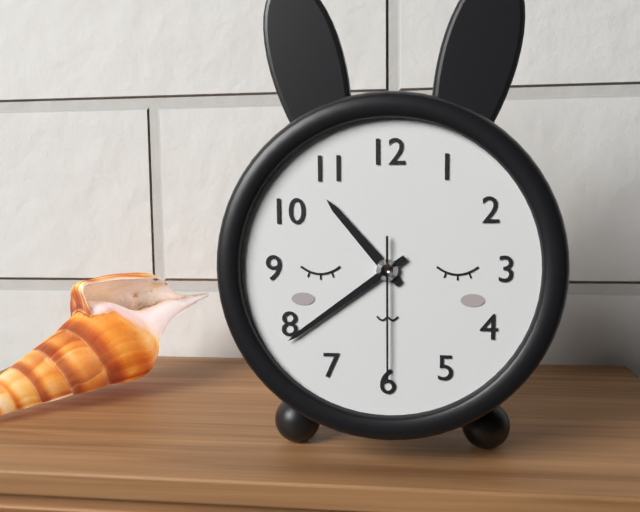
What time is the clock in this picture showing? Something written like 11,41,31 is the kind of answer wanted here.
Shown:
10,39,30
